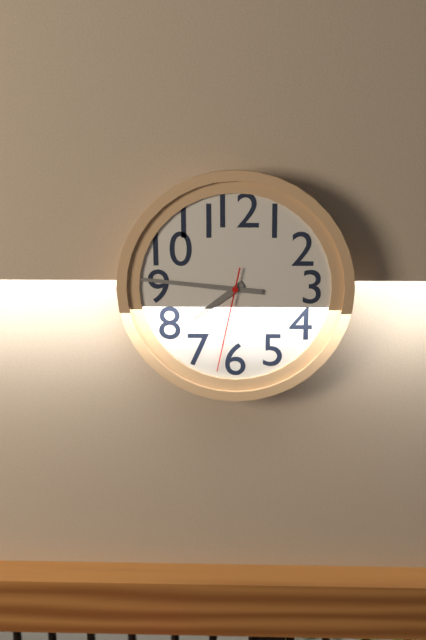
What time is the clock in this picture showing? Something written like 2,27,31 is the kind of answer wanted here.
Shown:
7,46,32
